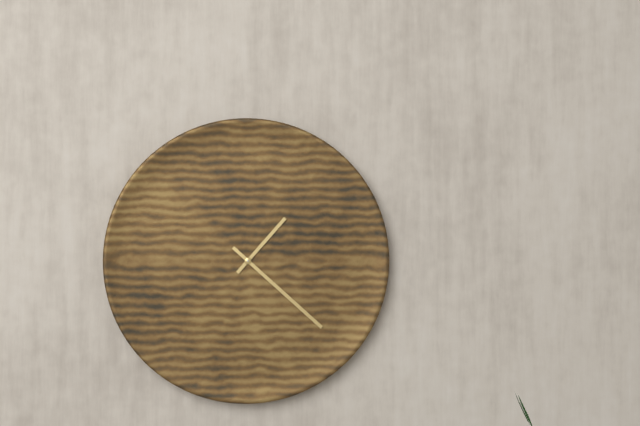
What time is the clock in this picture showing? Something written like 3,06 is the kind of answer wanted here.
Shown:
1,22
